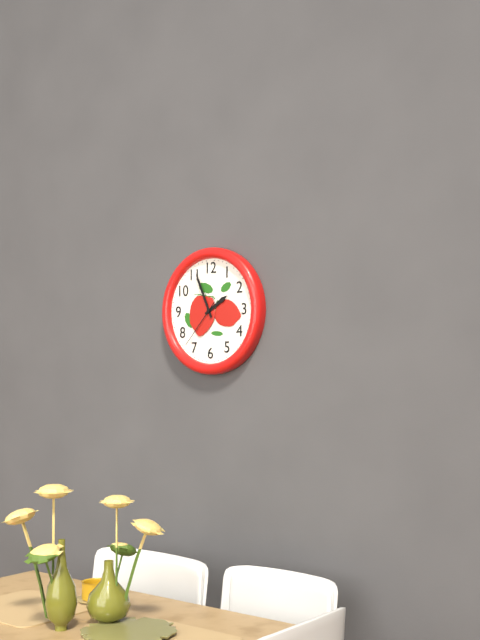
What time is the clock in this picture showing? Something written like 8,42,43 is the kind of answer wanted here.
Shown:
1,56,37
